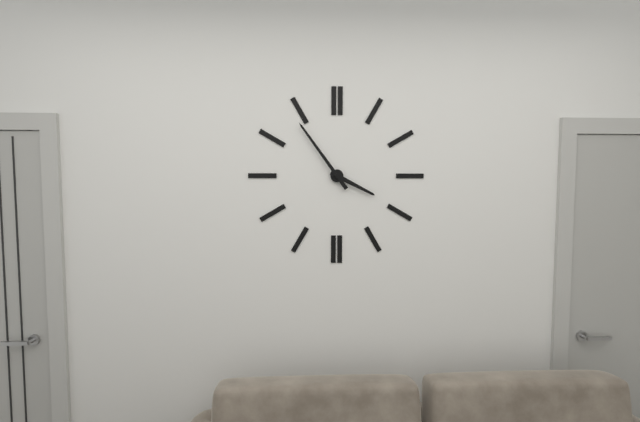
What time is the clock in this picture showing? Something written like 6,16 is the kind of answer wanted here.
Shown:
3,54
